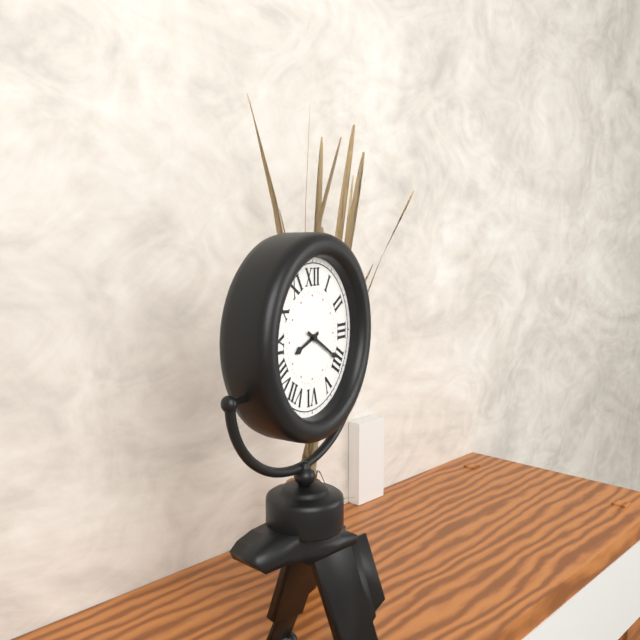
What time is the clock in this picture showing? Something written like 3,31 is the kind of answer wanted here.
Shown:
8,20
